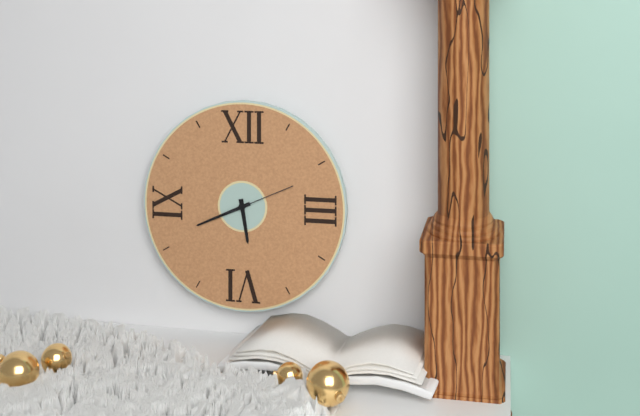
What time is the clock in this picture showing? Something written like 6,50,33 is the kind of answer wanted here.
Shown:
5,41,11
